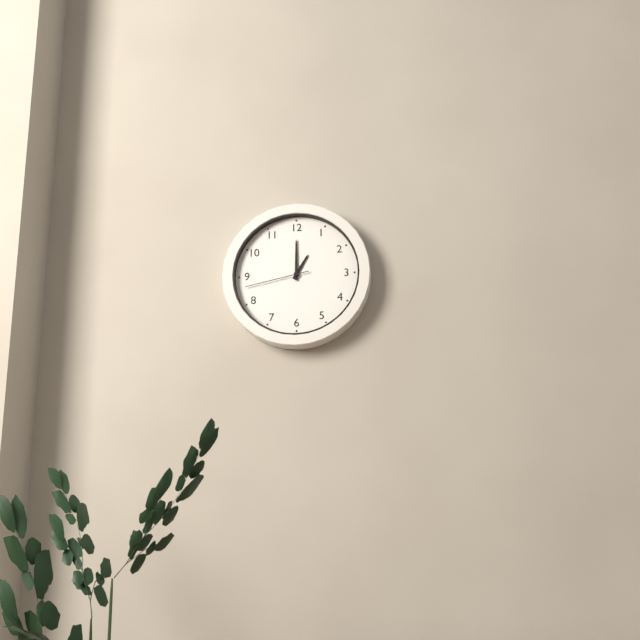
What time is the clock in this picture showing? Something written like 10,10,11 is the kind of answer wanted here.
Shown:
1,00,43
